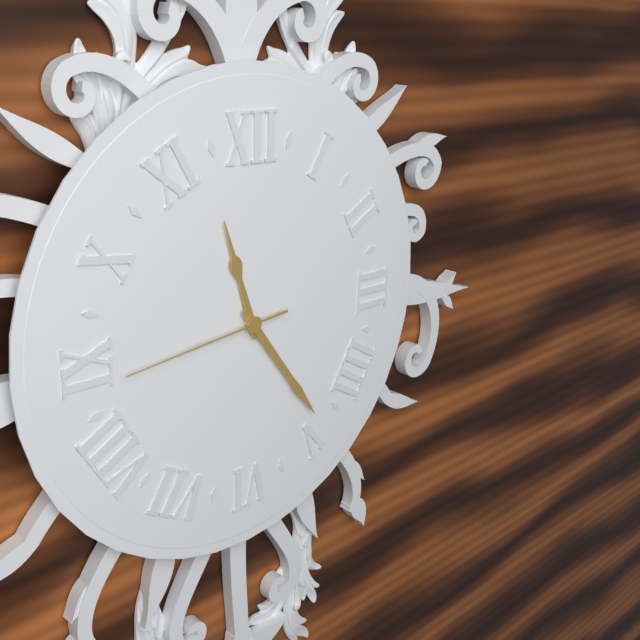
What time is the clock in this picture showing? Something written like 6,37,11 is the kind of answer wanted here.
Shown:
11,24,44
